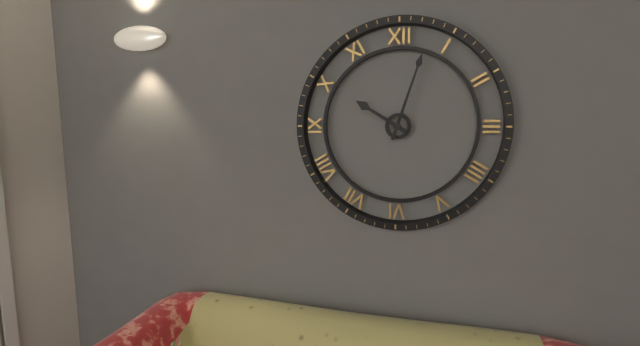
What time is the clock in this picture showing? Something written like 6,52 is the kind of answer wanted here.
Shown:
10,03
